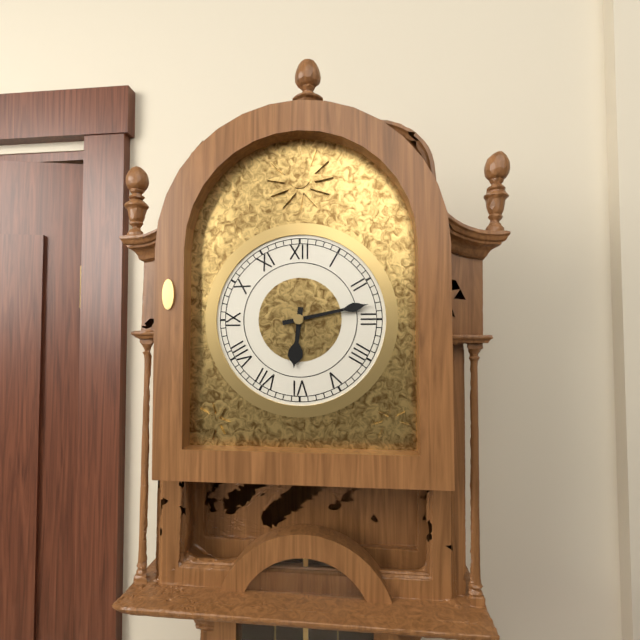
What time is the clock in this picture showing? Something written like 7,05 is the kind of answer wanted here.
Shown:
6,13
